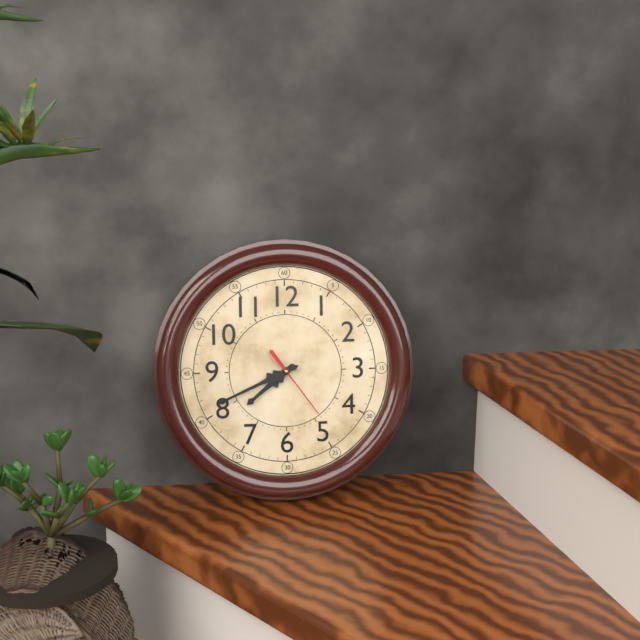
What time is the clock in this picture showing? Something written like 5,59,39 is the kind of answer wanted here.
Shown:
7,41,24
